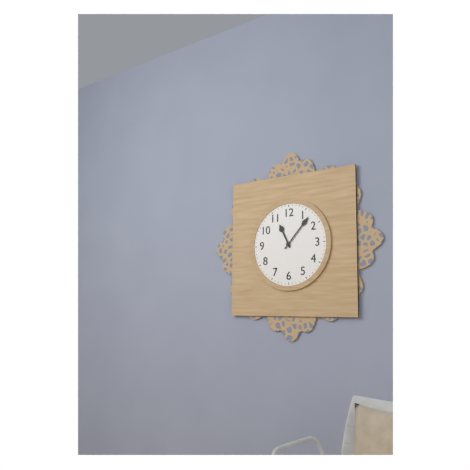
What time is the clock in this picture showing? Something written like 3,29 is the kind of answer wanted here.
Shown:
11,07
